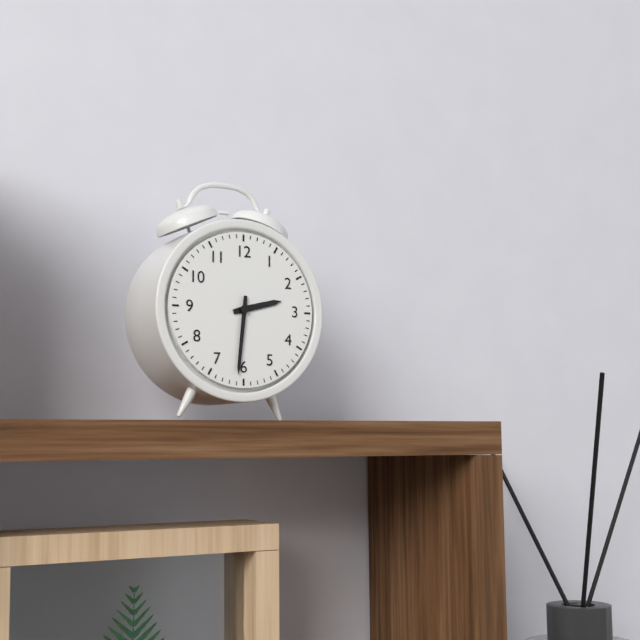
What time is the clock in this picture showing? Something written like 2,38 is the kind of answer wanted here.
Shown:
2,31
